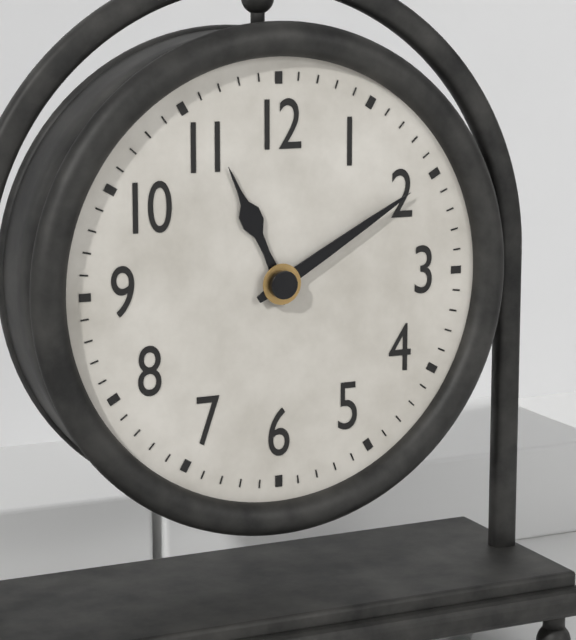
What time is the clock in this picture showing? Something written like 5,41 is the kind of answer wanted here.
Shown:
11,10
